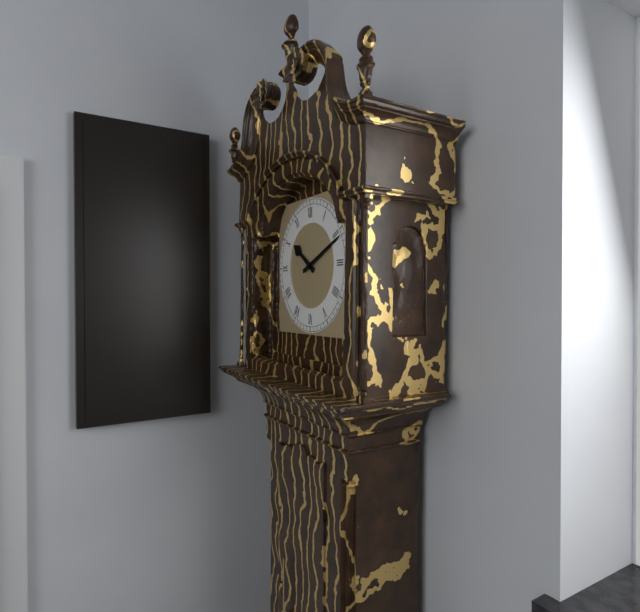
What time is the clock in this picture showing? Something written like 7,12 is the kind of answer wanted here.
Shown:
10,11
